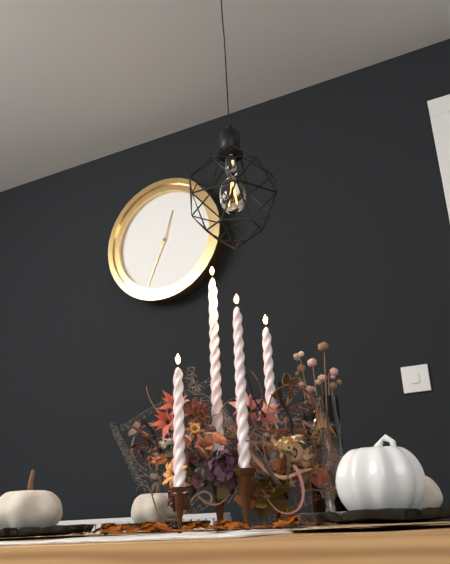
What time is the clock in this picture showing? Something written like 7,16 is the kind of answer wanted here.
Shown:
12,34
